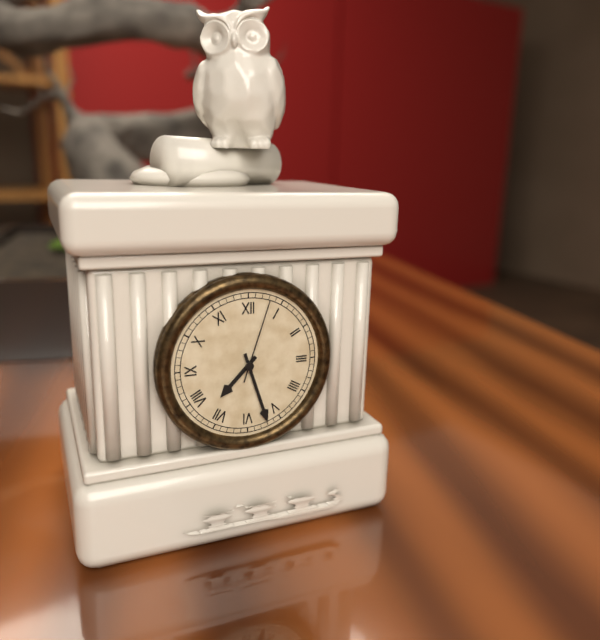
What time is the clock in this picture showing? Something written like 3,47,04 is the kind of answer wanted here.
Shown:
7,27,03
